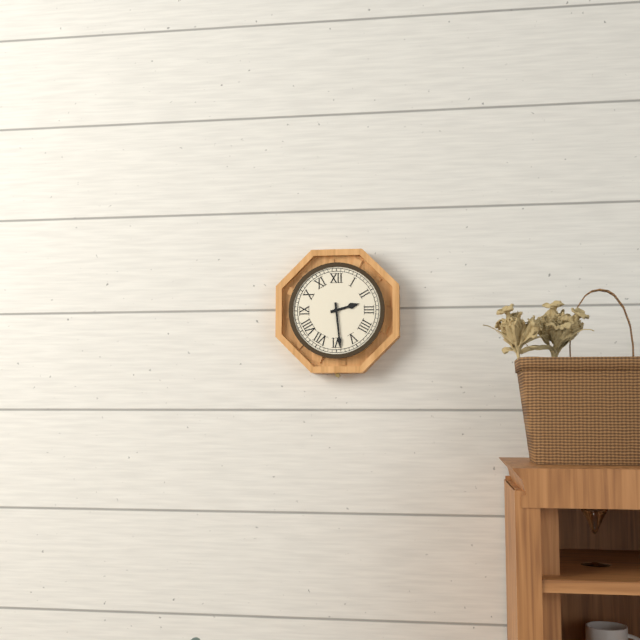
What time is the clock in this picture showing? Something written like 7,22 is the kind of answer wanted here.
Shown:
2,29
